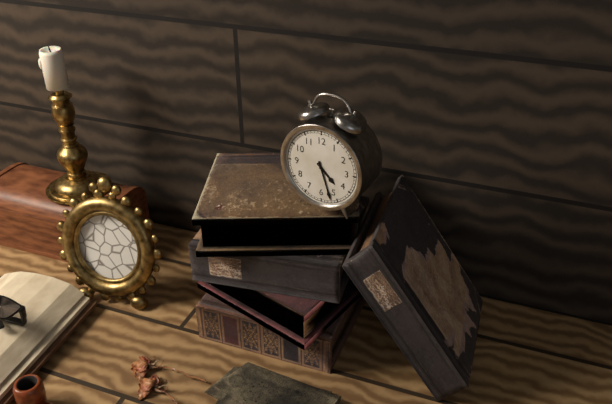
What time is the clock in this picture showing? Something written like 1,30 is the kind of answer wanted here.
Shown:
4,27
